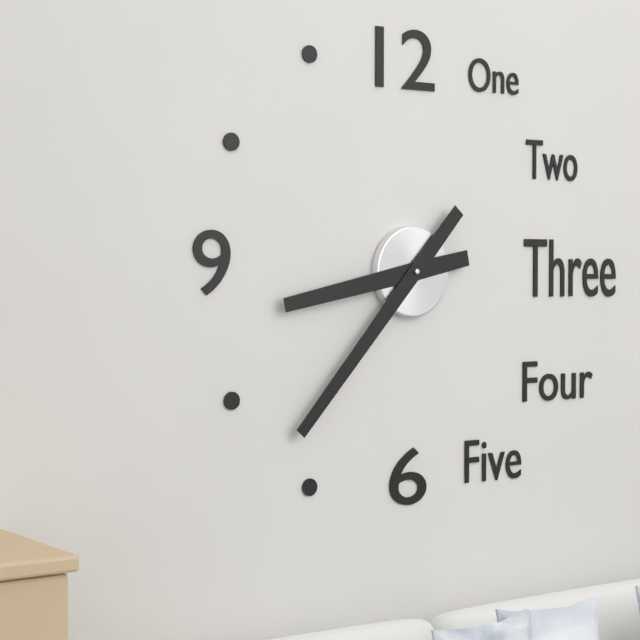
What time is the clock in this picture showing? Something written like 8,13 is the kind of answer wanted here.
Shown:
8,37
